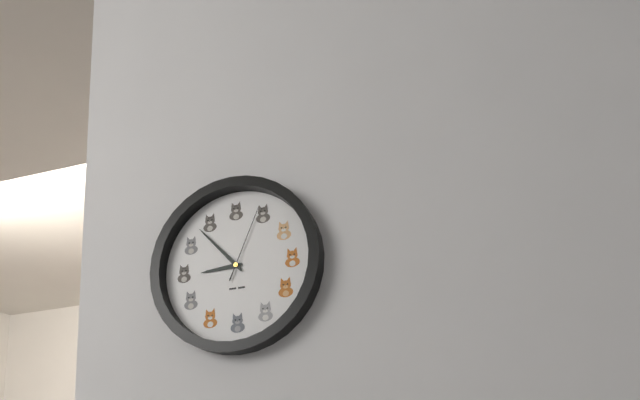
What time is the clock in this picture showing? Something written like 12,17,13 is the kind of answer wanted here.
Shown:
8,53,04
